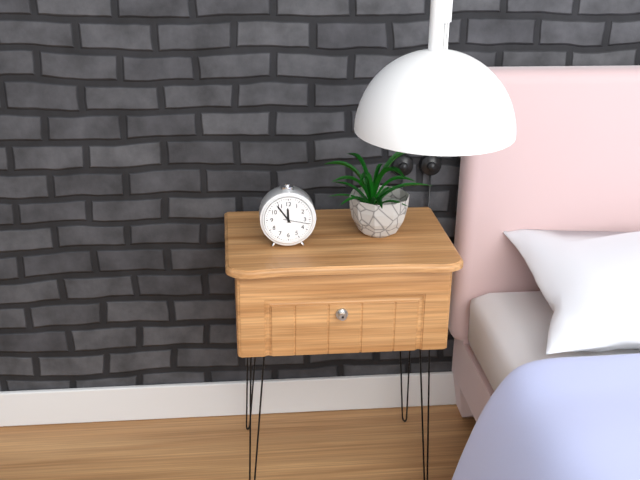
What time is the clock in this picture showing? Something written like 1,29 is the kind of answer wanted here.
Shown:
11,54
